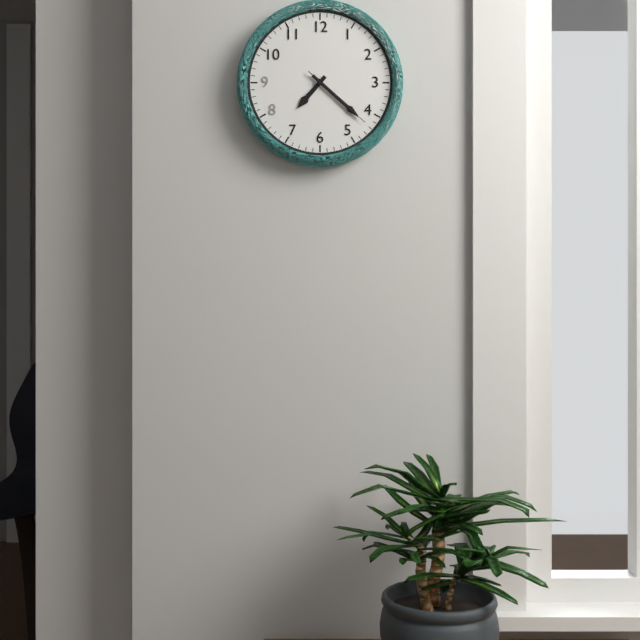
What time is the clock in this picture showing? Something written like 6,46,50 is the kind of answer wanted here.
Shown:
7,22,22
